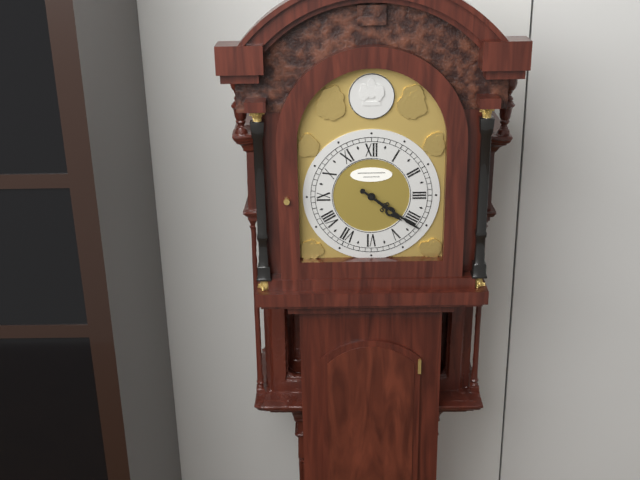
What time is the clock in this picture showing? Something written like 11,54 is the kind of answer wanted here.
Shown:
4,21
